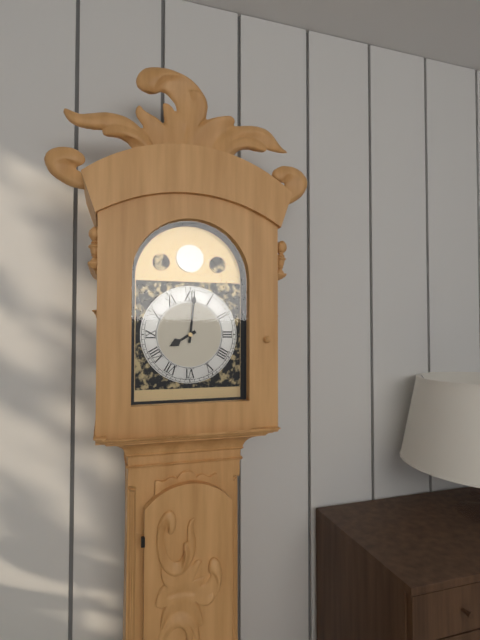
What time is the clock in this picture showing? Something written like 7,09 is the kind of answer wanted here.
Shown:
8,01
